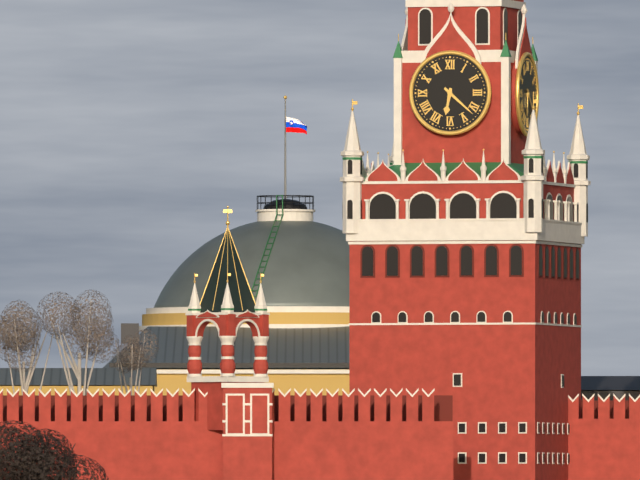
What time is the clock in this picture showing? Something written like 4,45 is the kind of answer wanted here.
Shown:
6,22
